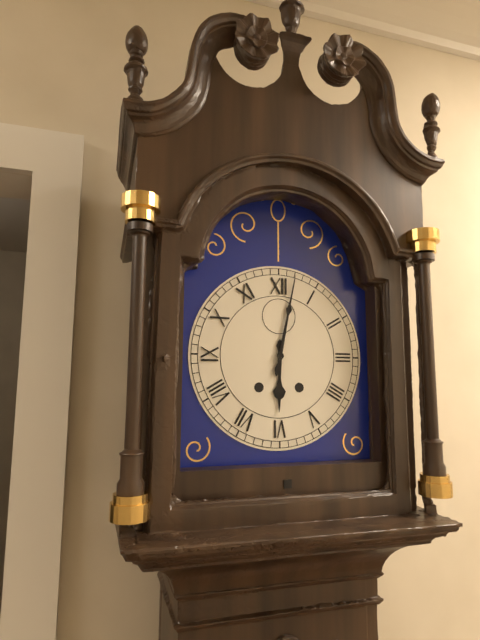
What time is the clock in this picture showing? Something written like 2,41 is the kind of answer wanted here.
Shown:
6,02
